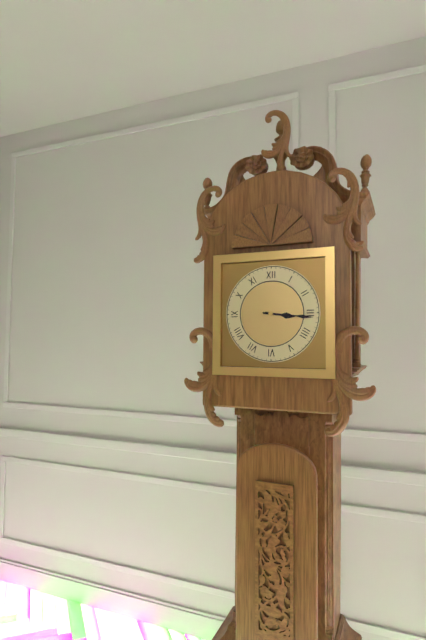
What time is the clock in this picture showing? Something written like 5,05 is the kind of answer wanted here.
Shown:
3,16
